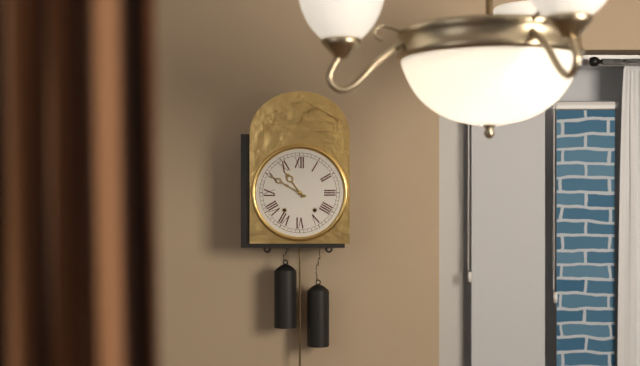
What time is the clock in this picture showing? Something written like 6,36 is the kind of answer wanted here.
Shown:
10,50
